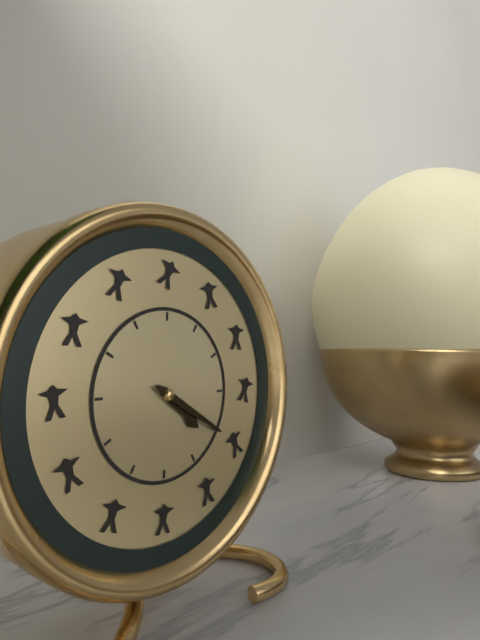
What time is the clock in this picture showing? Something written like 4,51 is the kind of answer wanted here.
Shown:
4,20
